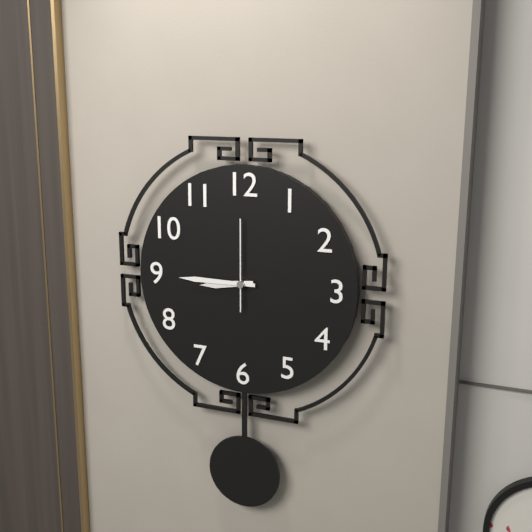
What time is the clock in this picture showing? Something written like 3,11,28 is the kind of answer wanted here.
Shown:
8,45,00
